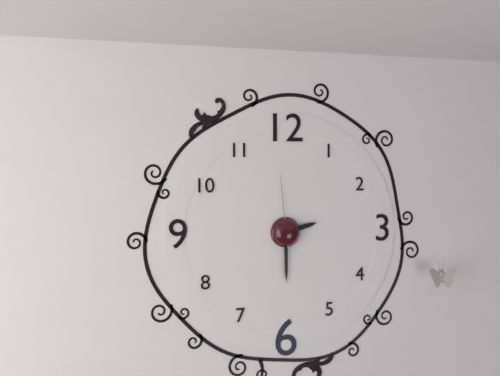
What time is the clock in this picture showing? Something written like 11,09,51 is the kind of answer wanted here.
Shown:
2,30,59
